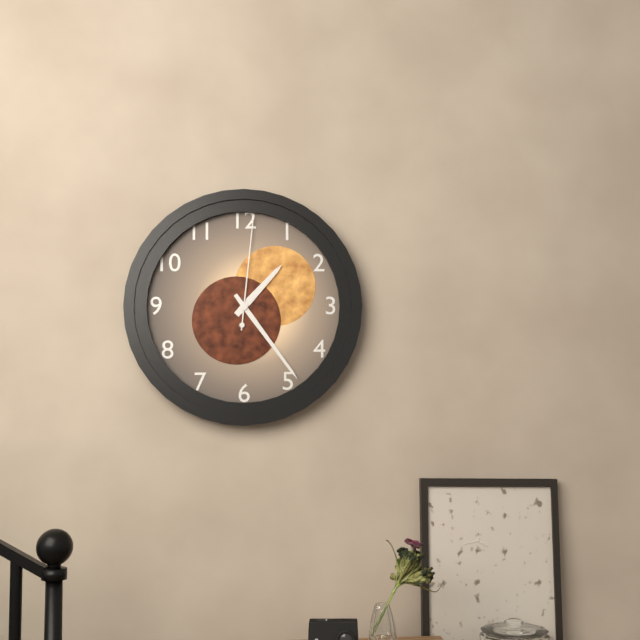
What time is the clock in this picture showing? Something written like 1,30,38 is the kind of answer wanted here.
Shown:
1,24,01
